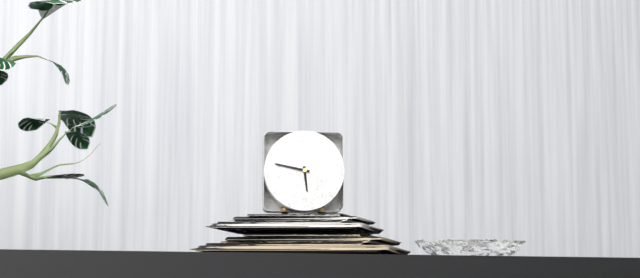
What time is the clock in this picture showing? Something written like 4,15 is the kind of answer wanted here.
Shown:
5,47
